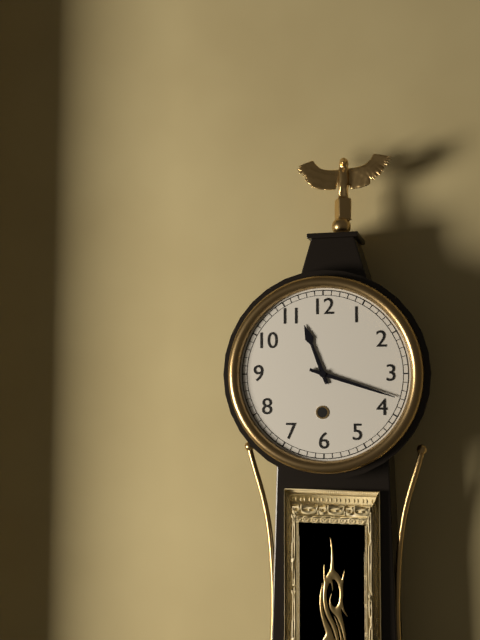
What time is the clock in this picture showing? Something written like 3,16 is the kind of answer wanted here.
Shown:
11,18
